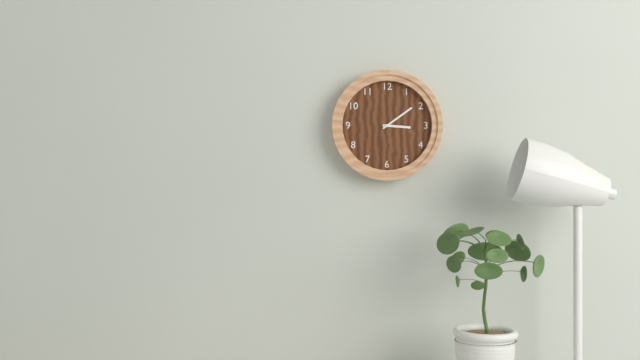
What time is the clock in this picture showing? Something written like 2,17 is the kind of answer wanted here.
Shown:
3,09
